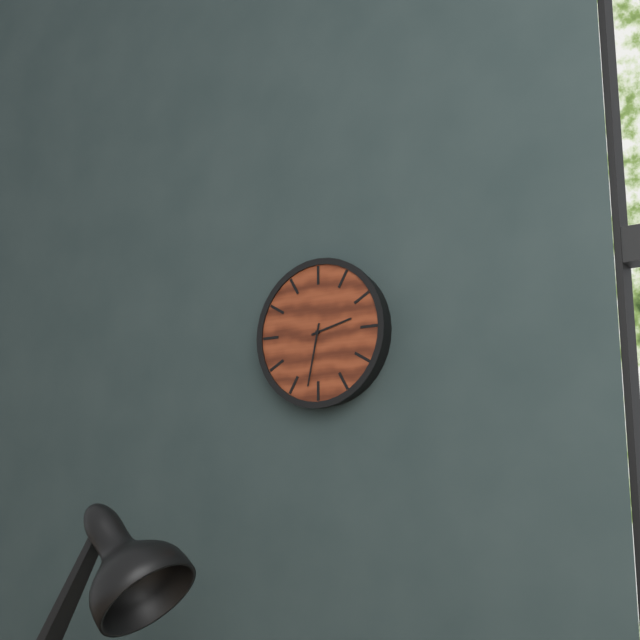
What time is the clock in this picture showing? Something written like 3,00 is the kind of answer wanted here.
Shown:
2,32
